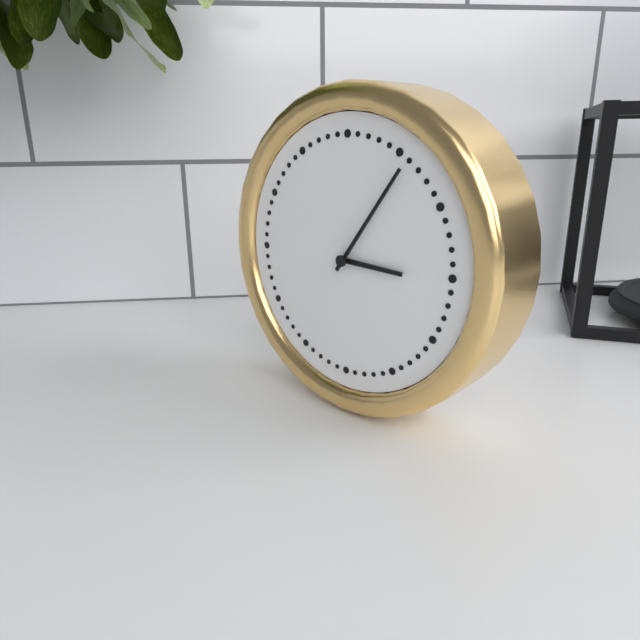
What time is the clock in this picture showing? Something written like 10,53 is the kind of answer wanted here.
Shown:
3,06
